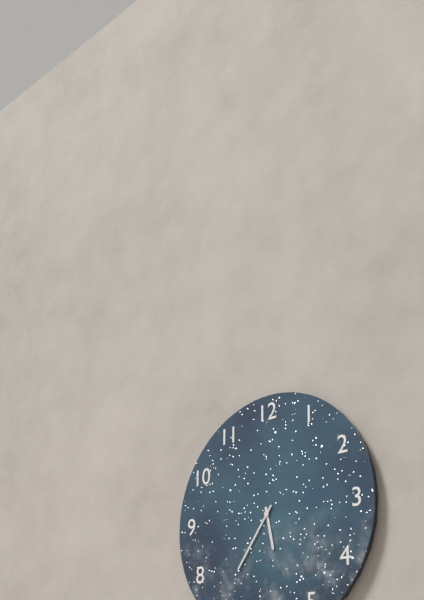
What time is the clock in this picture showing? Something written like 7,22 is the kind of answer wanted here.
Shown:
5,36
